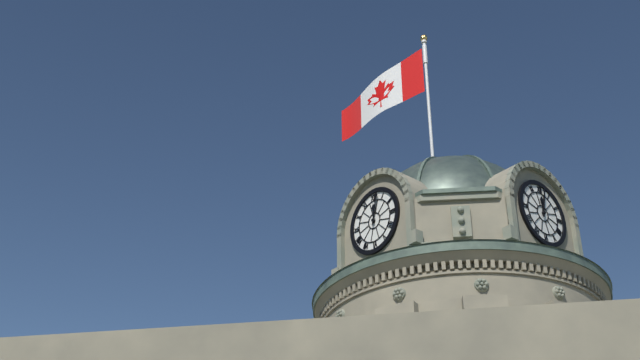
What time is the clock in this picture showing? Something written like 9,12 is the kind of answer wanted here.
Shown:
12,02
